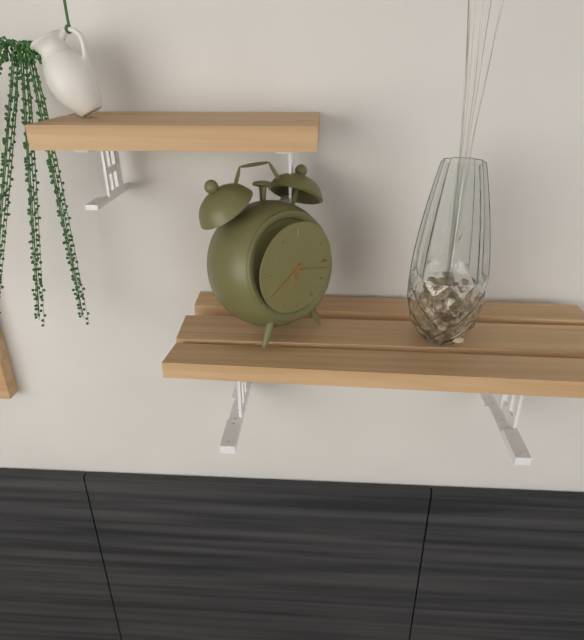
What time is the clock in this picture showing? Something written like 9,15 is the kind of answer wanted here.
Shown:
6,40
